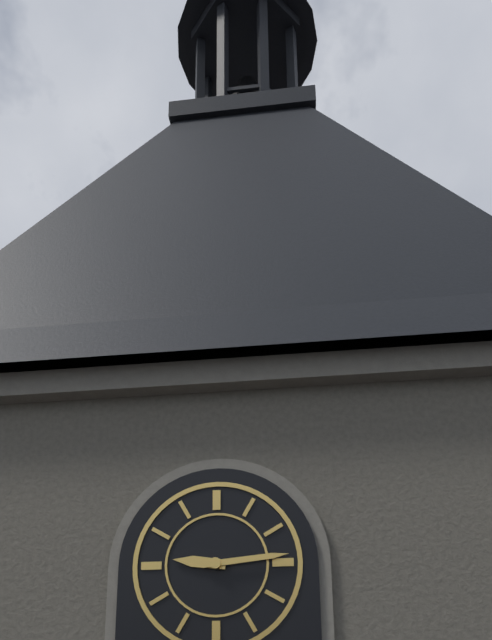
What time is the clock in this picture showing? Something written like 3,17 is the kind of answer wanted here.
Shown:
9,14
